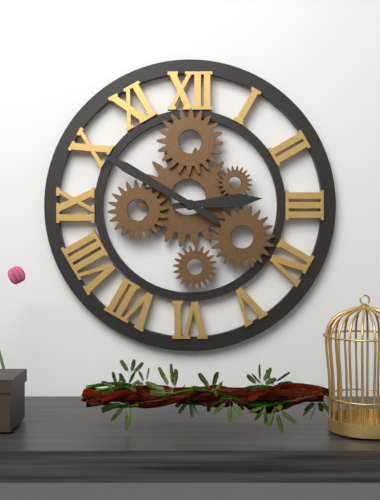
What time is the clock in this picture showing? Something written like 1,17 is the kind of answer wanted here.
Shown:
2,50
